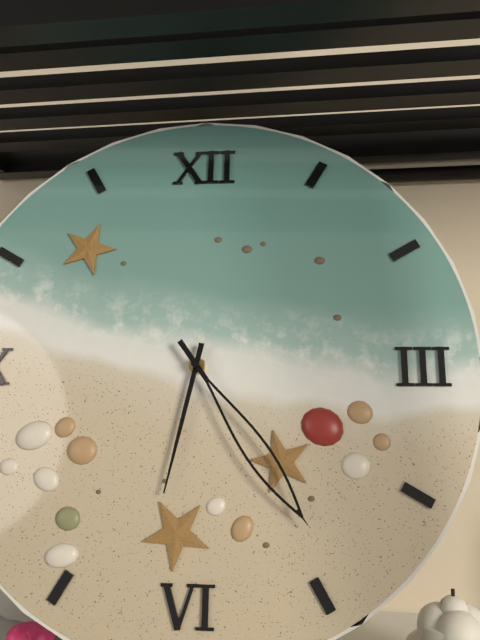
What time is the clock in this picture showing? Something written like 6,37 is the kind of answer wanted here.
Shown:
6,24
